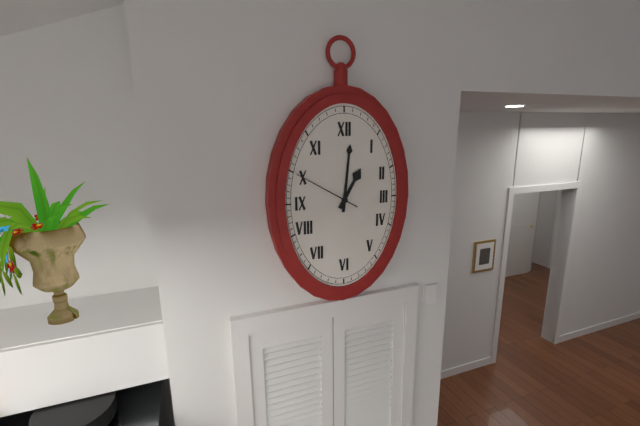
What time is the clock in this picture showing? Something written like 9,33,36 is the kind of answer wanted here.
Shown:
1,01,50
